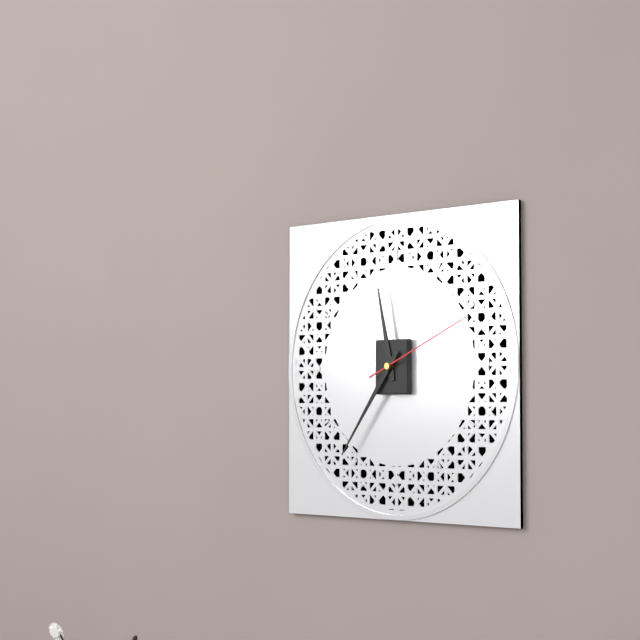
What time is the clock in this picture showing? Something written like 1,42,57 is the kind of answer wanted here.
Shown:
11,36,11
